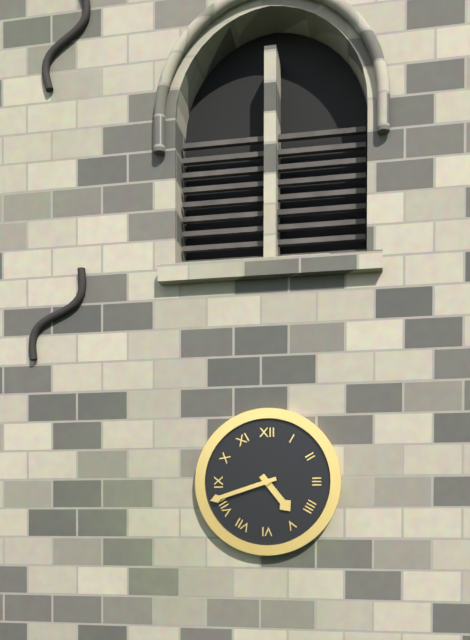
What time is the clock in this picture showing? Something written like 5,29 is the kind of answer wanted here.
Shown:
4,42
